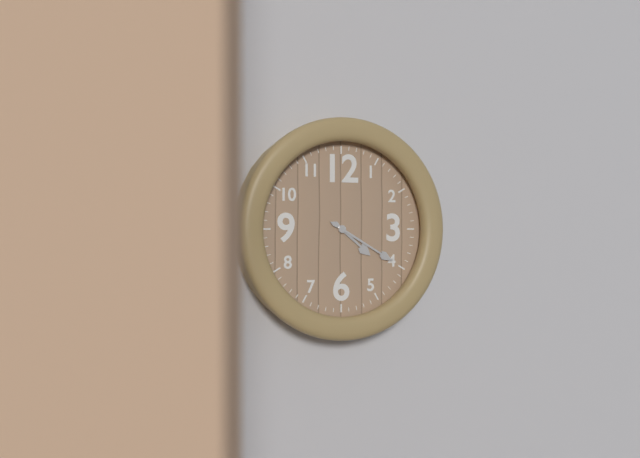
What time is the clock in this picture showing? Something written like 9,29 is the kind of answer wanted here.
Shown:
4,20
